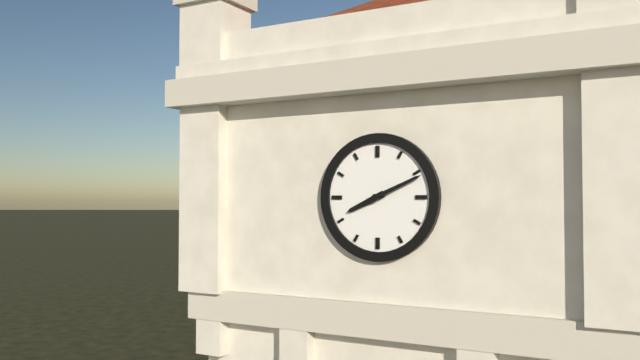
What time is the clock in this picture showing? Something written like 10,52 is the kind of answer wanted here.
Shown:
8,11
